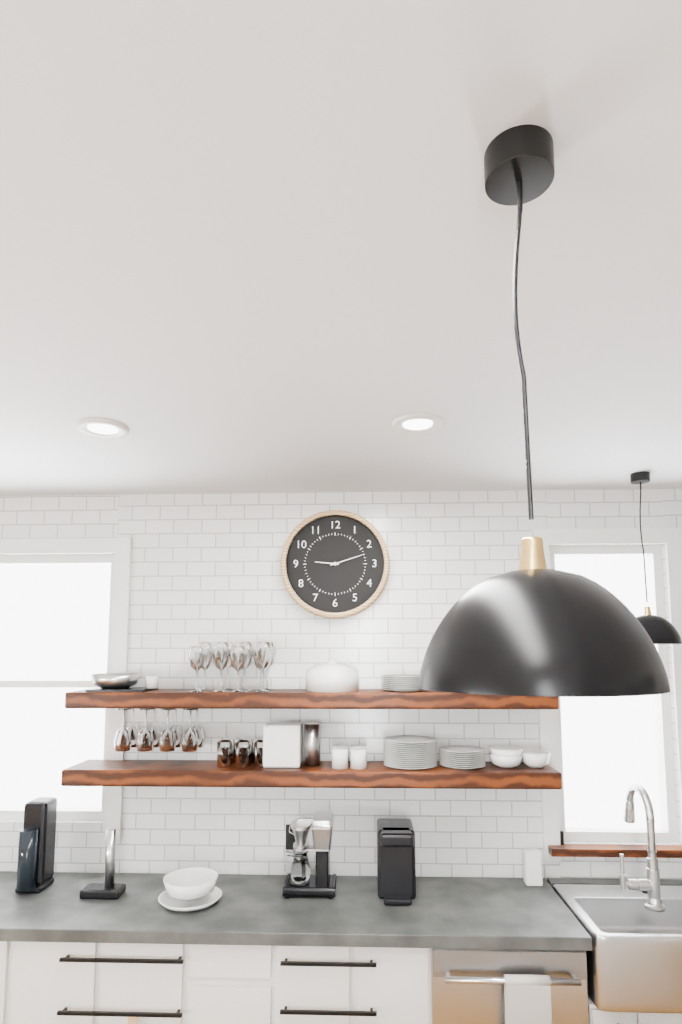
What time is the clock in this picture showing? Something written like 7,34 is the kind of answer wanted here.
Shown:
9,12
